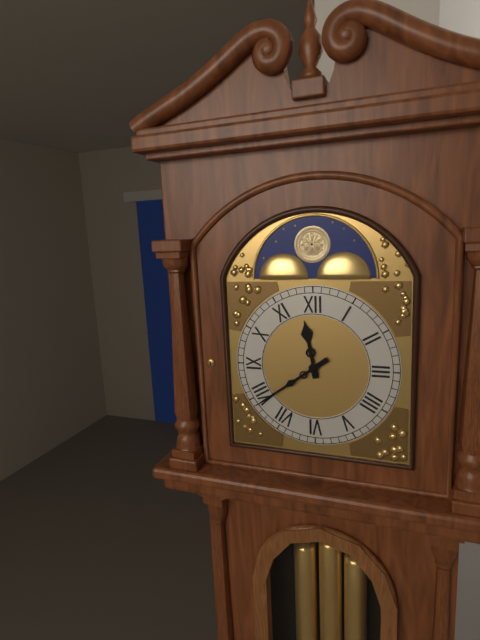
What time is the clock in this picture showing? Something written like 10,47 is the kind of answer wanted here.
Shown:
11,39
